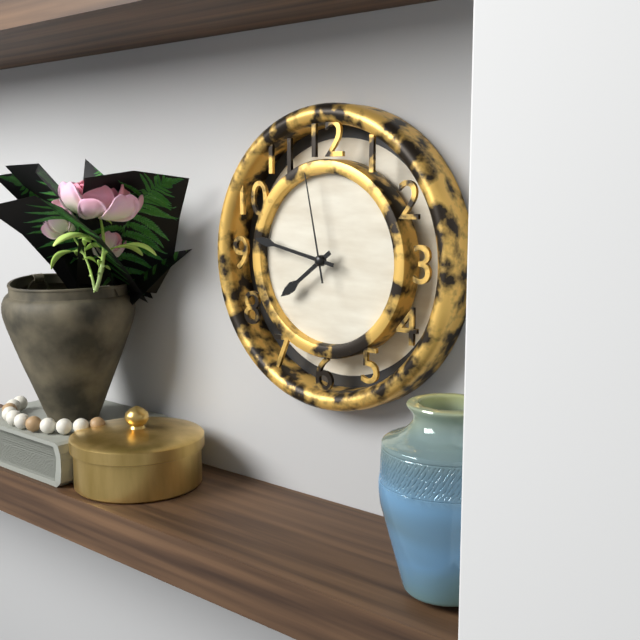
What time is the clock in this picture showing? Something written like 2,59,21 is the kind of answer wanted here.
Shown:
7,47,58
